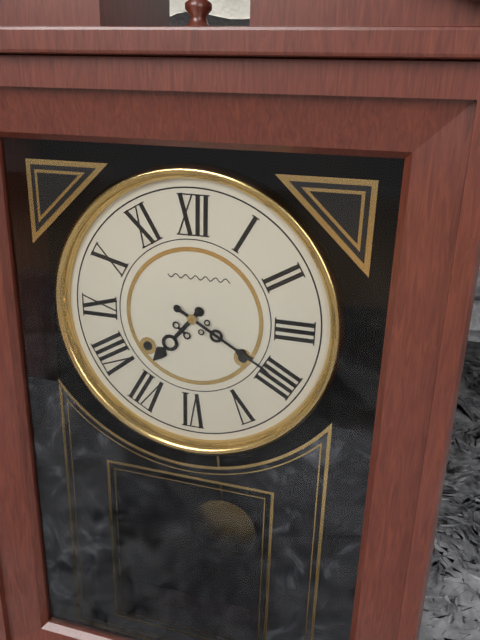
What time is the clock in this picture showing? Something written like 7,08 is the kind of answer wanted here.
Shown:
7,20
